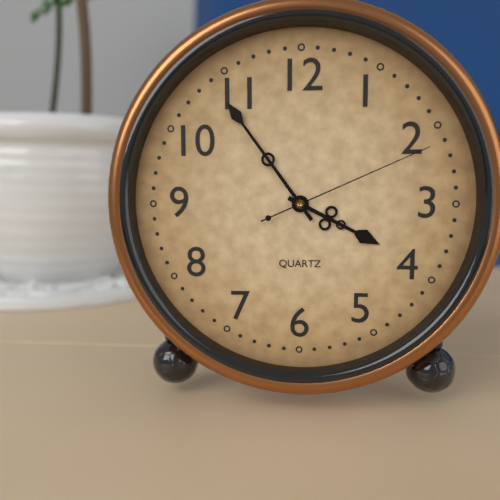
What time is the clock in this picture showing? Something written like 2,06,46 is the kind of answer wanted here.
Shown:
3,54,11
